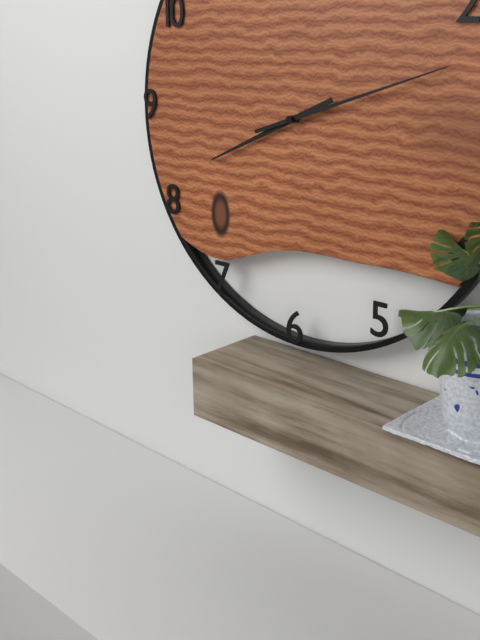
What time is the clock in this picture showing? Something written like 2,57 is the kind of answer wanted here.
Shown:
8,12
